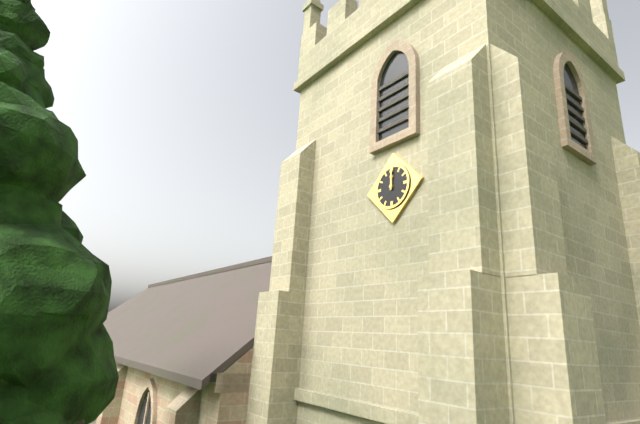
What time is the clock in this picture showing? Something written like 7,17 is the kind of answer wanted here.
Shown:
12,00
